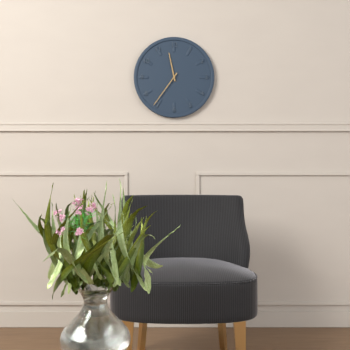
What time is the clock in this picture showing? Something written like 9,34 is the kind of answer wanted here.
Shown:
11,36
